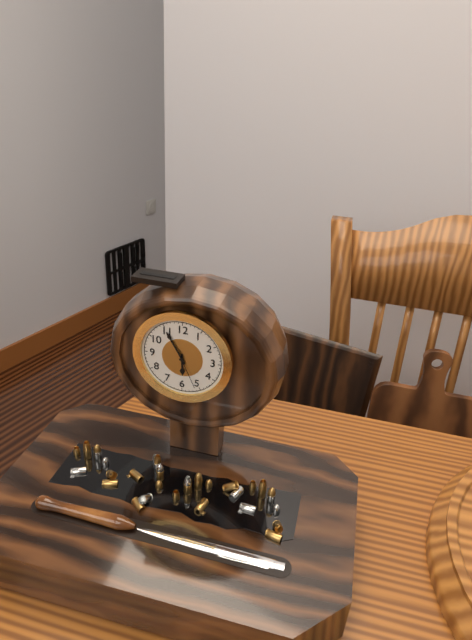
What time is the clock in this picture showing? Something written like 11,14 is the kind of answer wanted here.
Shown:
5,55
